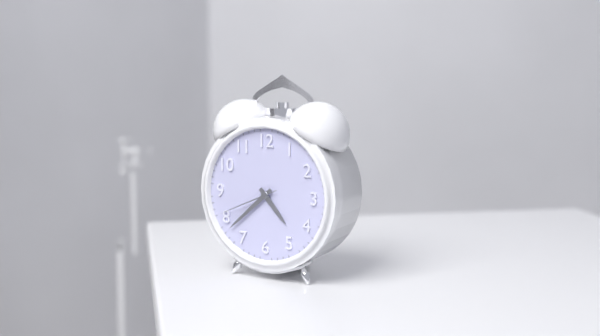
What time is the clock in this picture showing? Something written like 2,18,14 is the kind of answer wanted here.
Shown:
4,38,41
